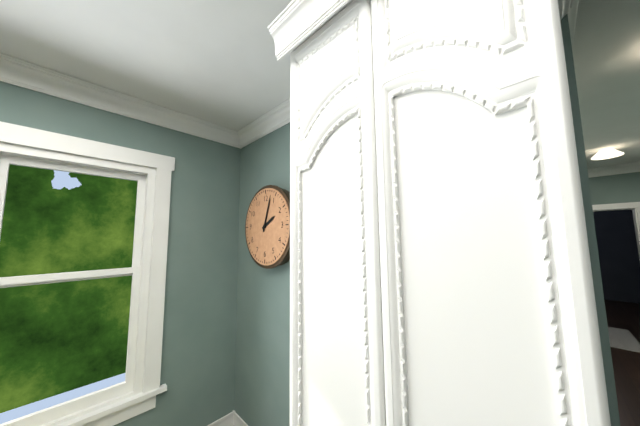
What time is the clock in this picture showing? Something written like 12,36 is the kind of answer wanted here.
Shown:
2,03
